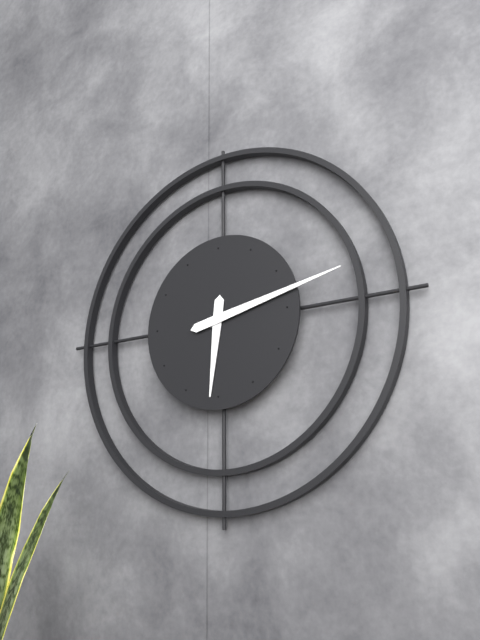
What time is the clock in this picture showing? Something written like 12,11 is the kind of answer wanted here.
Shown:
6,13
